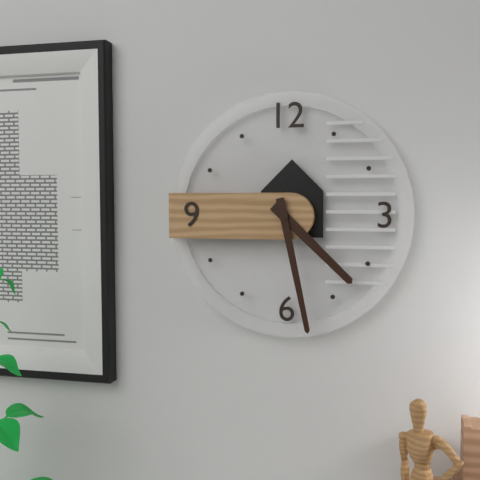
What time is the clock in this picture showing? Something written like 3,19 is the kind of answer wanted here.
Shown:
4,28
